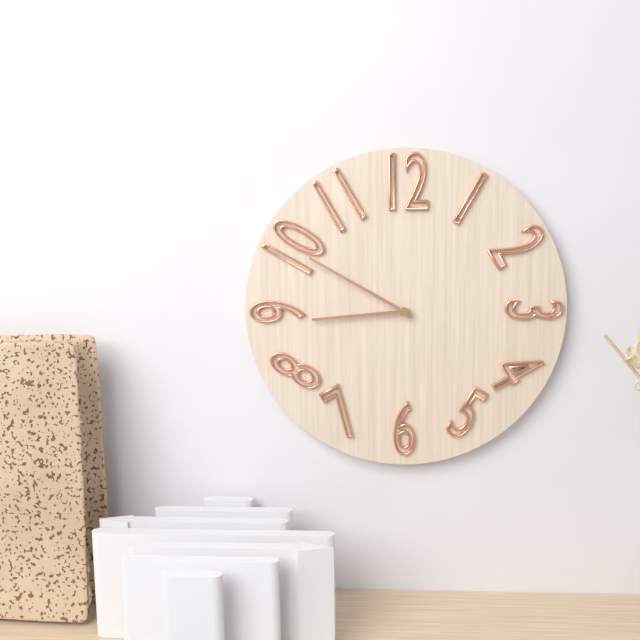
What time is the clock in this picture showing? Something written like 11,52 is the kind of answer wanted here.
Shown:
8,50
